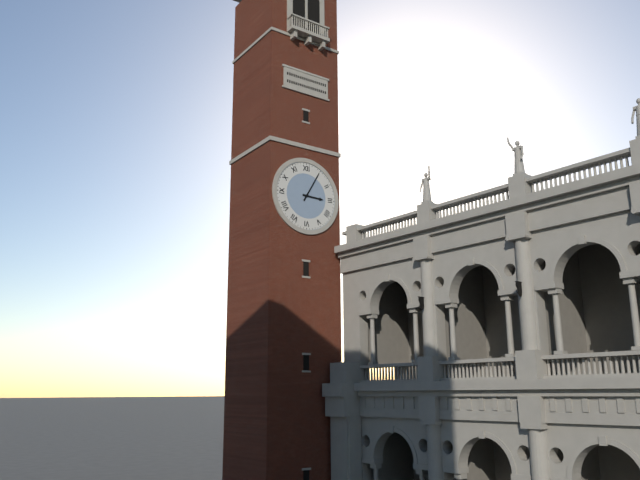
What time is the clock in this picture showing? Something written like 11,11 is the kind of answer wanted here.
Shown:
3,05
